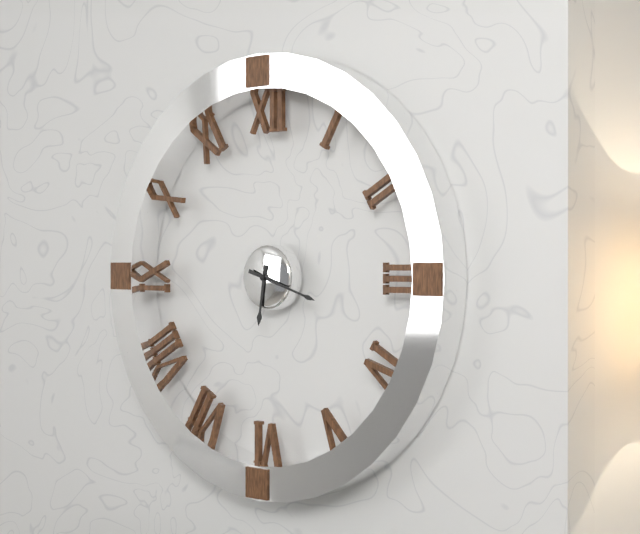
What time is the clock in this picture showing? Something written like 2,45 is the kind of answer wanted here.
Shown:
6,18
